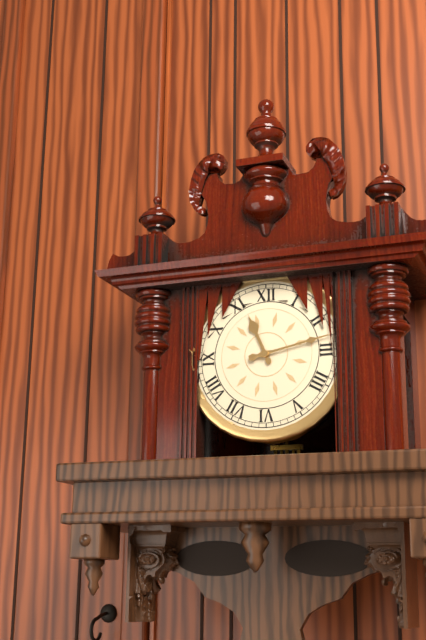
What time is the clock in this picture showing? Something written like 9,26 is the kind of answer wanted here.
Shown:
11,13
